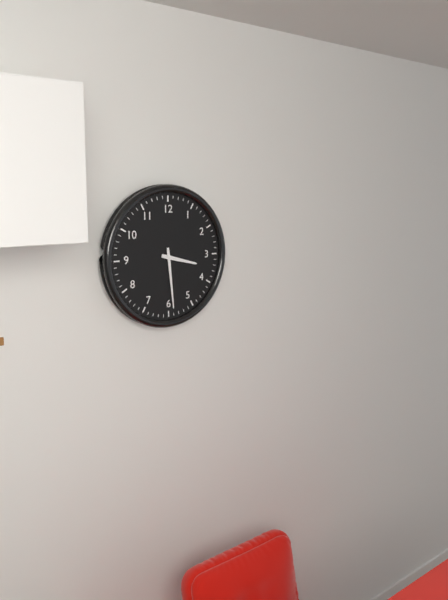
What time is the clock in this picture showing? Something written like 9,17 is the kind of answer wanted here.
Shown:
3,29
